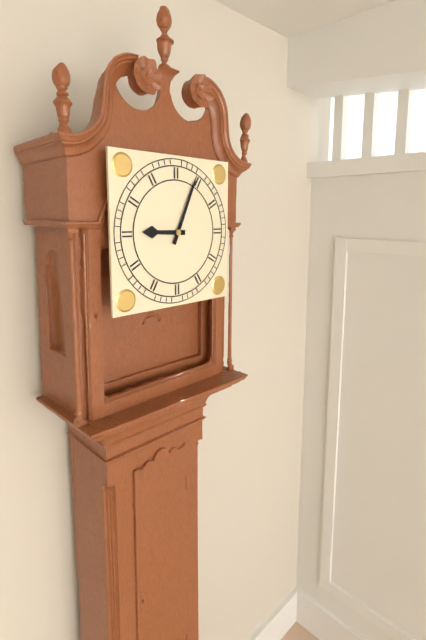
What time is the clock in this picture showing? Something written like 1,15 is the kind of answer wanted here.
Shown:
9,04
